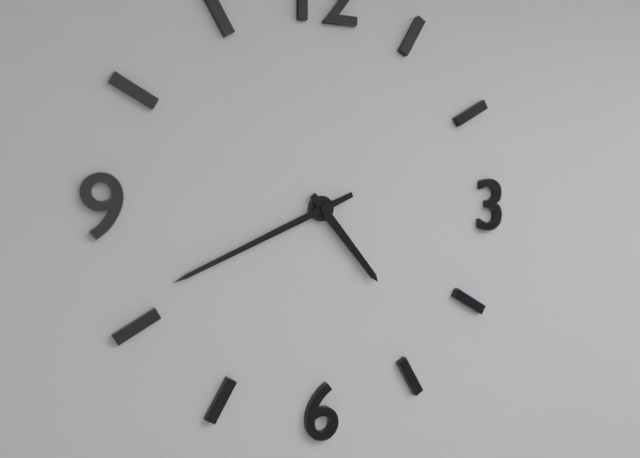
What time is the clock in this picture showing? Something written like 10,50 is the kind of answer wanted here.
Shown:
4,41
